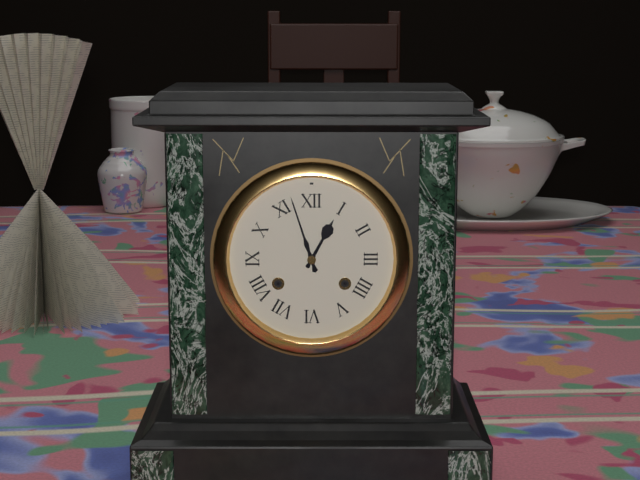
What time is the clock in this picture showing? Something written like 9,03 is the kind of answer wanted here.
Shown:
12,57
